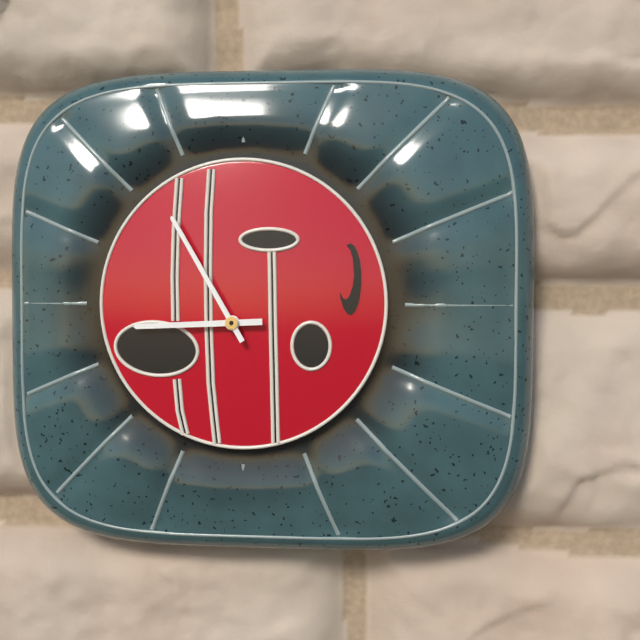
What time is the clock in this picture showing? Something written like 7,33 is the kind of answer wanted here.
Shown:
8,55
